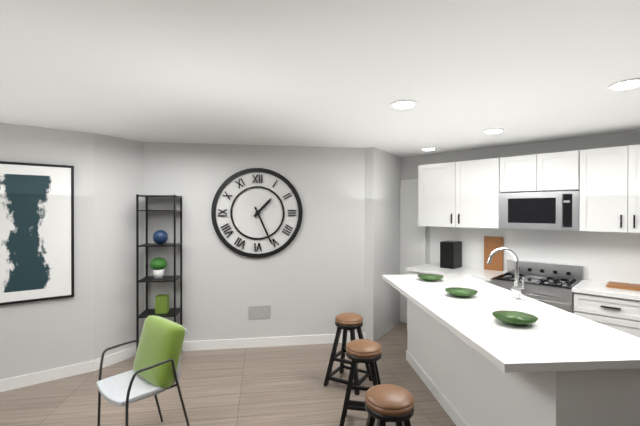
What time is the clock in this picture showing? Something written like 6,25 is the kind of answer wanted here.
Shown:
1,26
